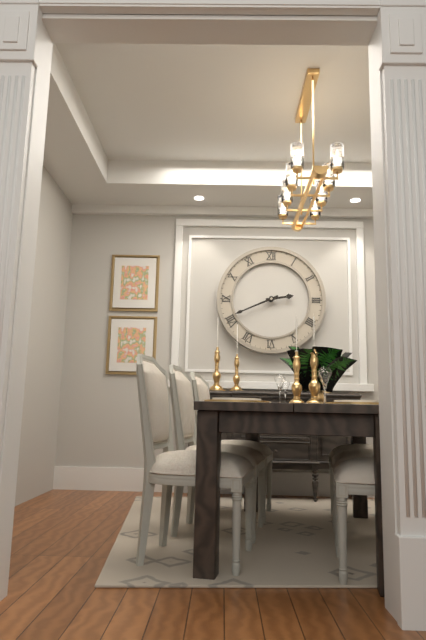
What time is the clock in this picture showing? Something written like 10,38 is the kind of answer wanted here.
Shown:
2,41
